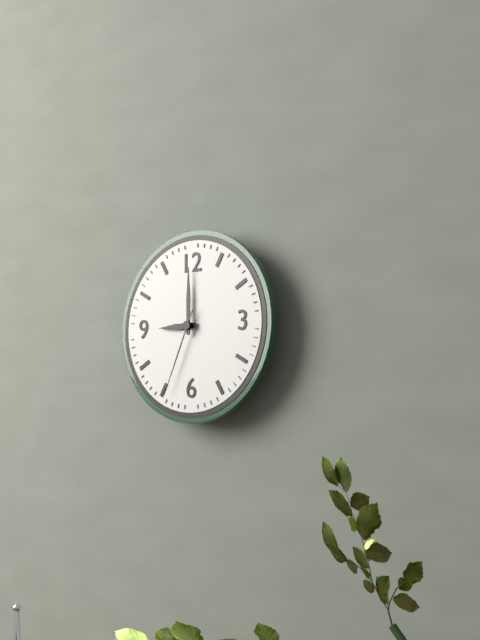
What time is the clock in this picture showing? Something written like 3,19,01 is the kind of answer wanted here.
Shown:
9,00,34
